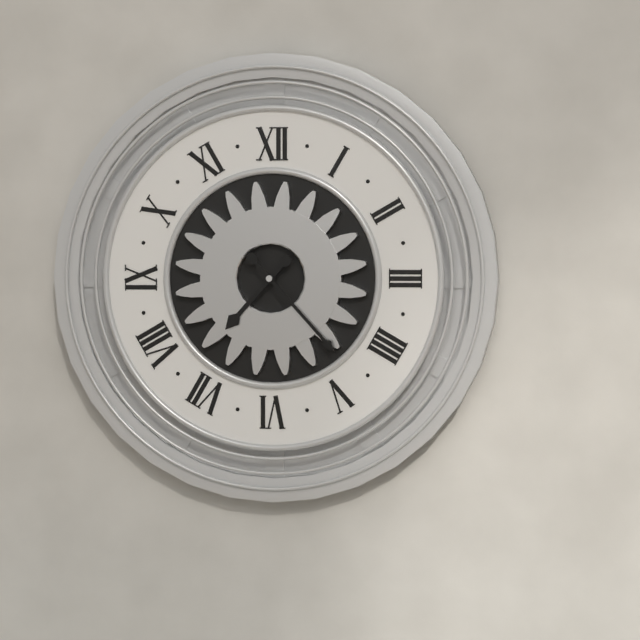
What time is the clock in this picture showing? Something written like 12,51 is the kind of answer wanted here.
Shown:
7,23
